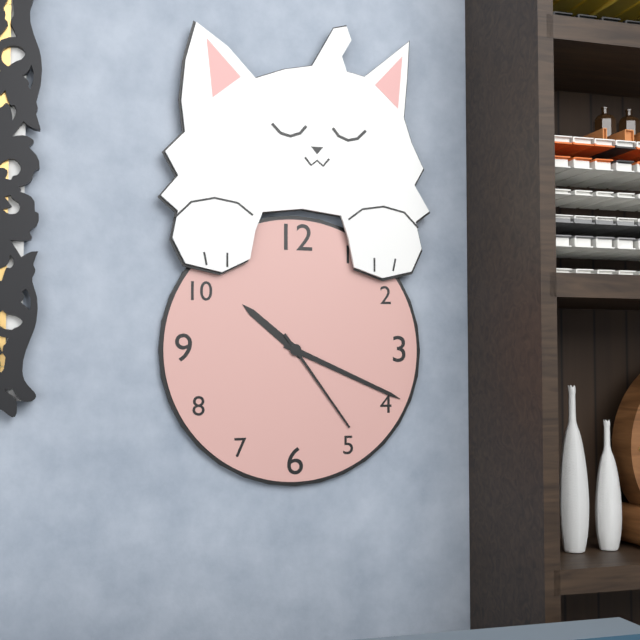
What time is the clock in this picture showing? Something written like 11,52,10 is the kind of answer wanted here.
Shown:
10,19,24
